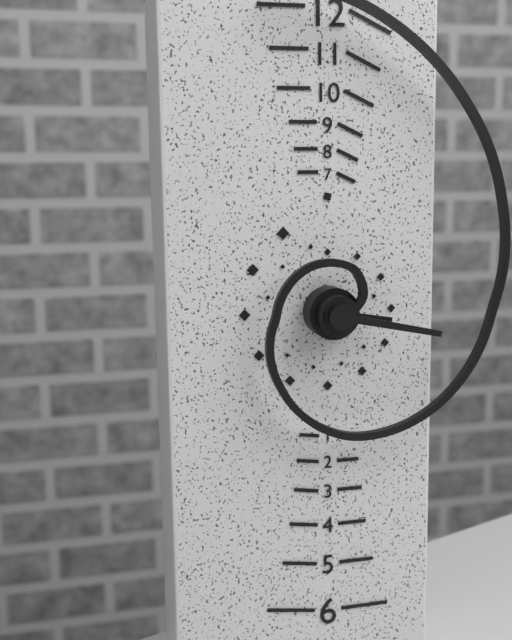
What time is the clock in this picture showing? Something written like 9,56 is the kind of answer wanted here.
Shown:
3,17
